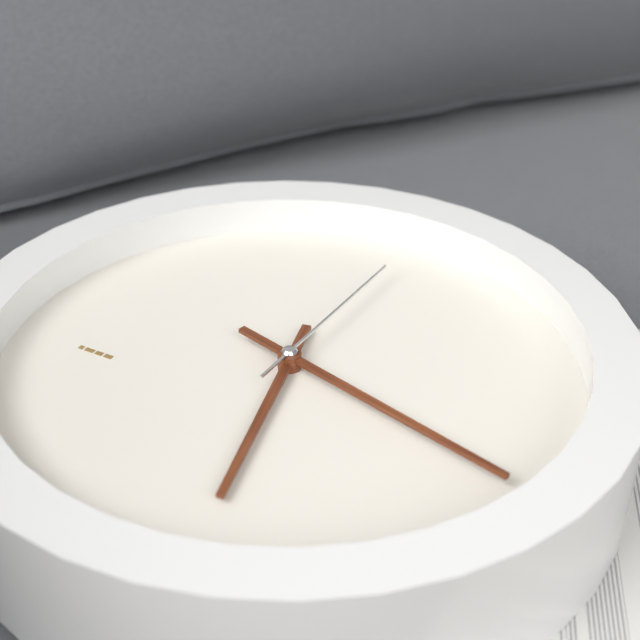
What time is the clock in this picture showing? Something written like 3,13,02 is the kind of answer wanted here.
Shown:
5,16,59
